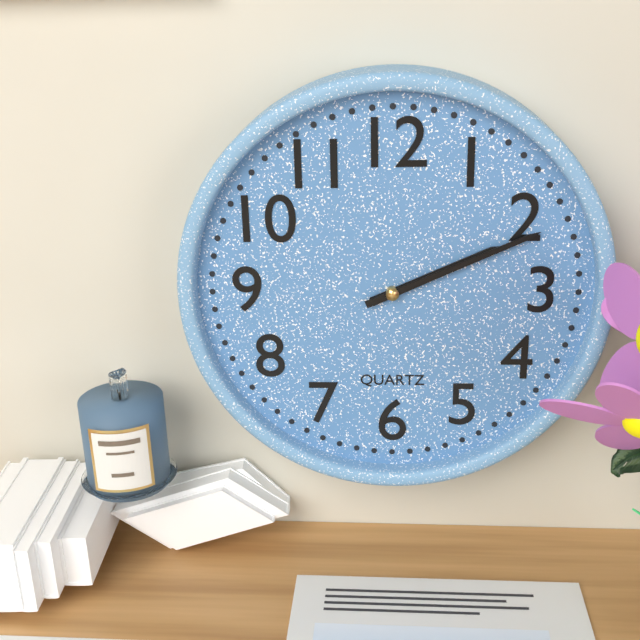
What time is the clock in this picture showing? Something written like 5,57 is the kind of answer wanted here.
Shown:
2,11
